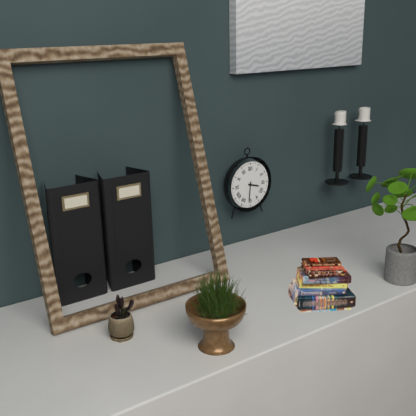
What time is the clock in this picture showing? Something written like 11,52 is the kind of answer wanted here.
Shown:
3,31
